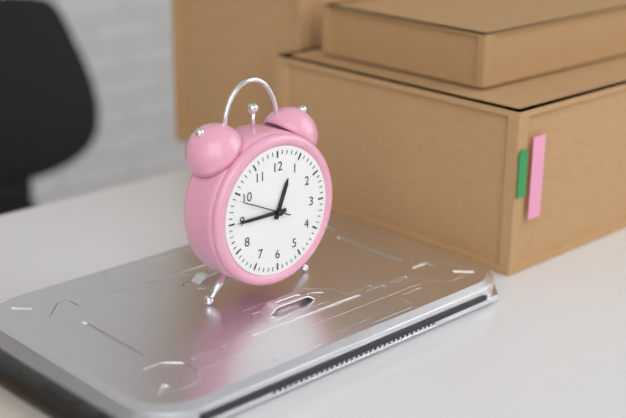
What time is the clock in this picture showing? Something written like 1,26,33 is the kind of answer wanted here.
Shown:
12,45,49
